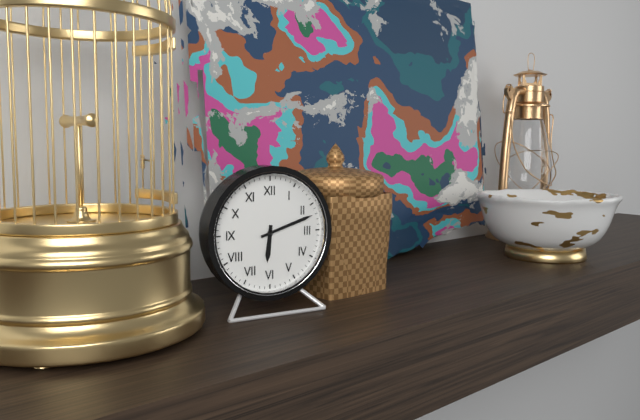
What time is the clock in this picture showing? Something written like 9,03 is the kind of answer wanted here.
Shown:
6,12
